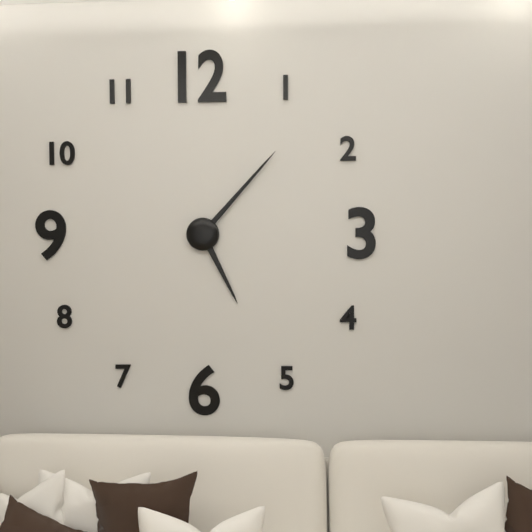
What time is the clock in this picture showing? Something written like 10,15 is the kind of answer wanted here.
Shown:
5,07
